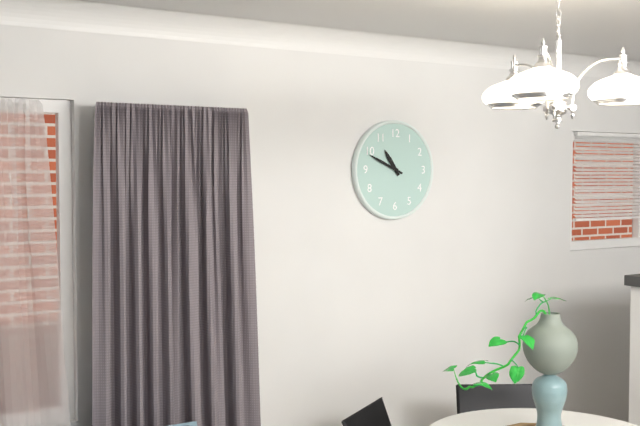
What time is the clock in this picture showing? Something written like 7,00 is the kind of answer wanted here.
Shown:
10,49
